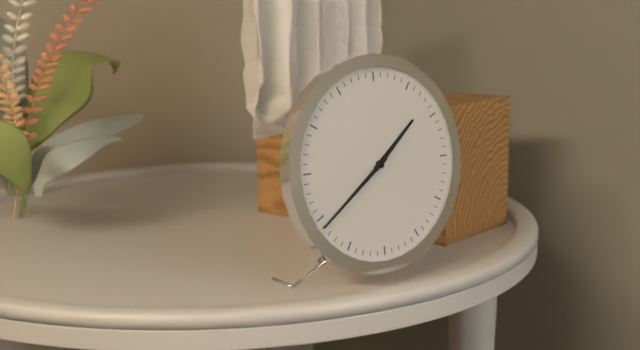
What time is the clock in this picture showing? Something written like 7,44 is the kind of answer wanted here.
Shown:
1,39
